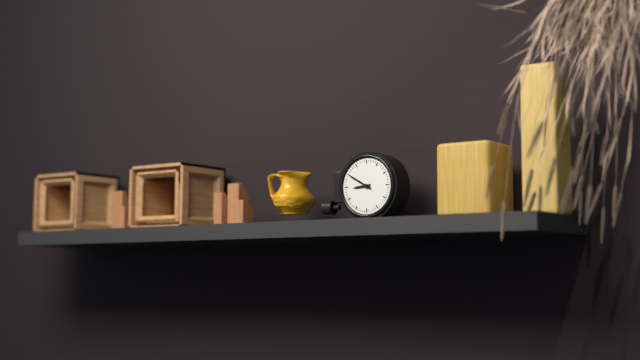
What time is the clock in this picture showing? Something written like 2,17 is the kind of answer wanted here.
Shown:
8,50
